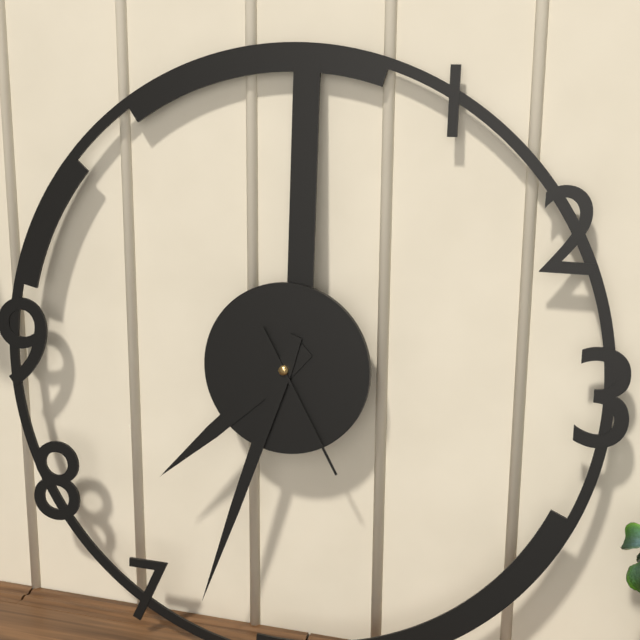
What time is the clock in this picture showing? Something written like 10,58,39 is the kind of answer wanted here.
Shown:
7,33,25
